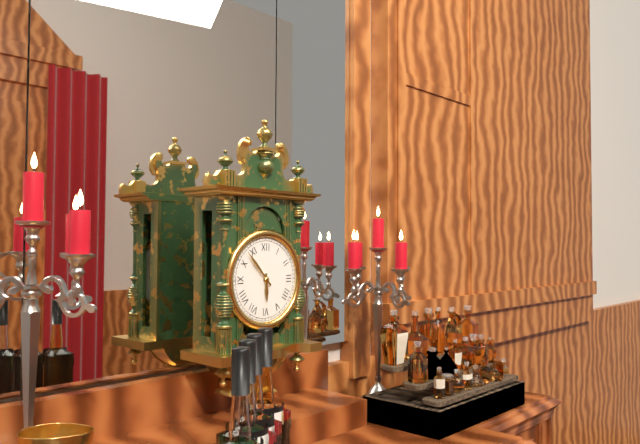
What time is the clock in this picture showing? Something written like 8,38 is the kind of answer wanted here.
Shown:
5,53
